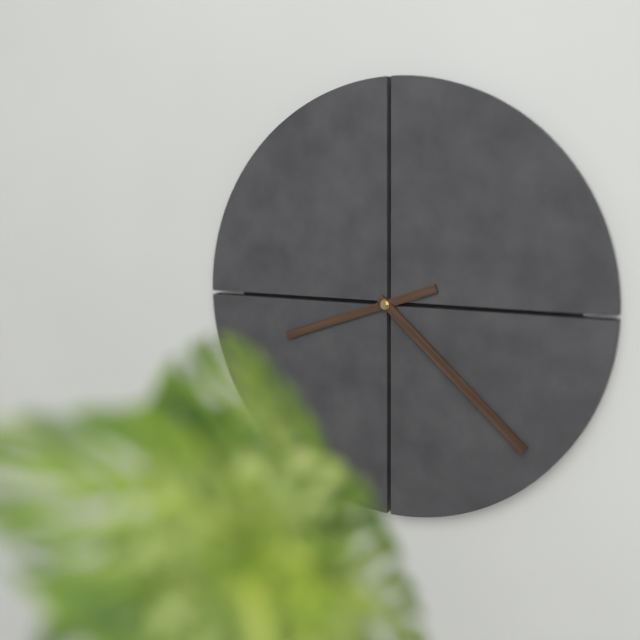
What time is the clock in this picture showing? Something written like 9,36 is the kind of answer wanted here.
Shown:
8,22
